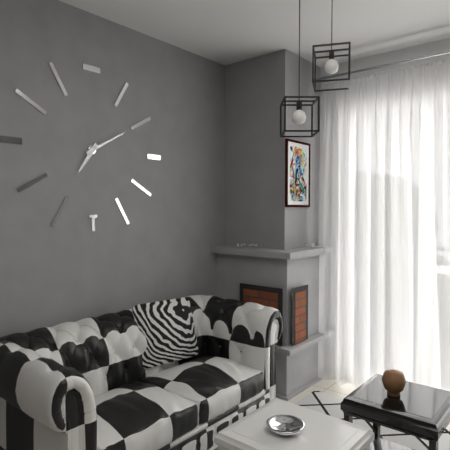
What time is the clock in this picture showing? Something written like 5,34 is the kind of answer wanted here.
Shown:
7,10
